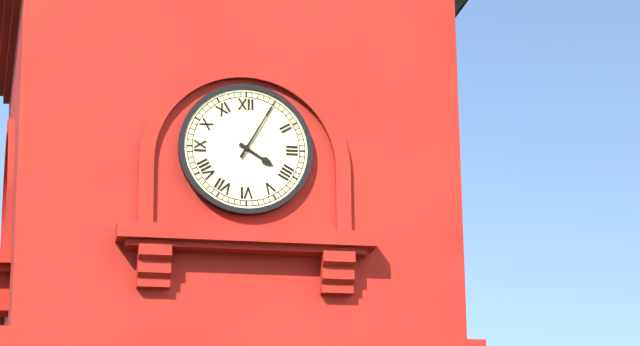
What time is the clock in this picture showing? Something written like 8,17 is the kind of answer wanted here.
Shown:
4,05
